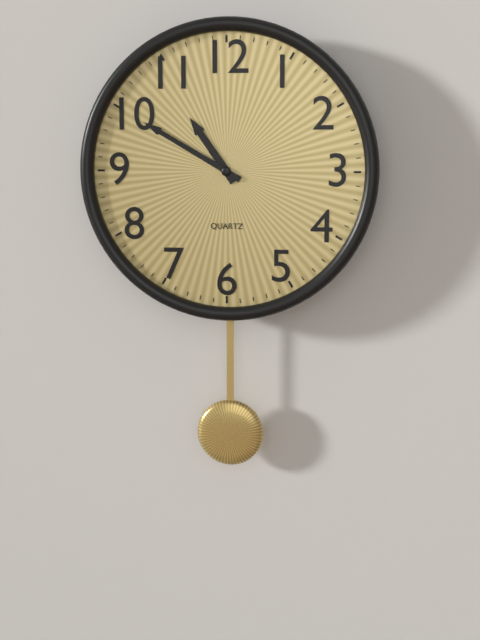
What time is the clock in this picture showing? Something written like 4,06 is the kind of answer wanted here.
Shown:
10,50
